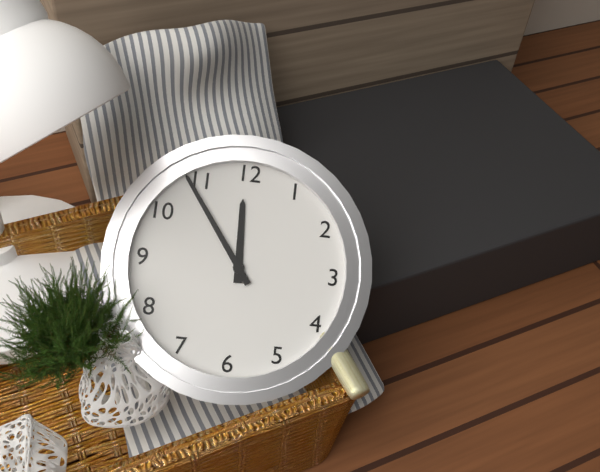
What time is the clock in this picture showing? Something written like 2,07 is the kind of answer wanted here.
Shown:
11,54
